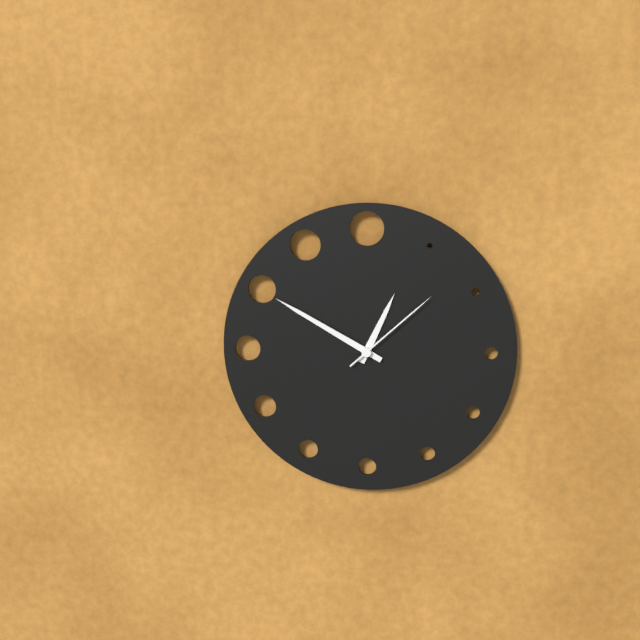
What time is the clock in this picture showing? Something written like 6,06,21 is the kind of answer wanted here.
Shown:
12,50,08
